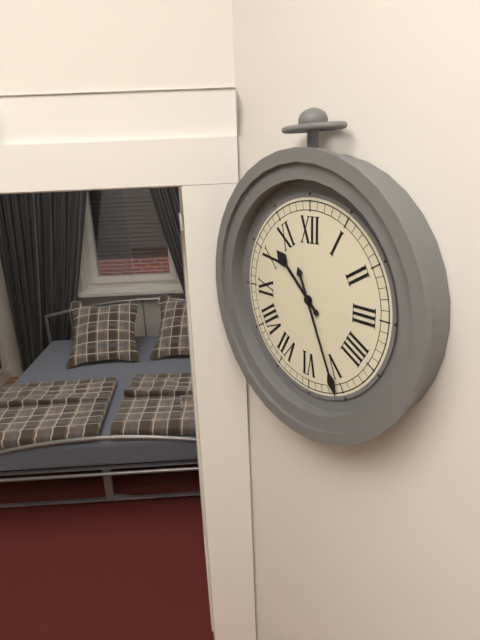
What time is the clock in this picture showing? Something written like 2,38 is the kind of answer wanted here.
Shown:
10,26
